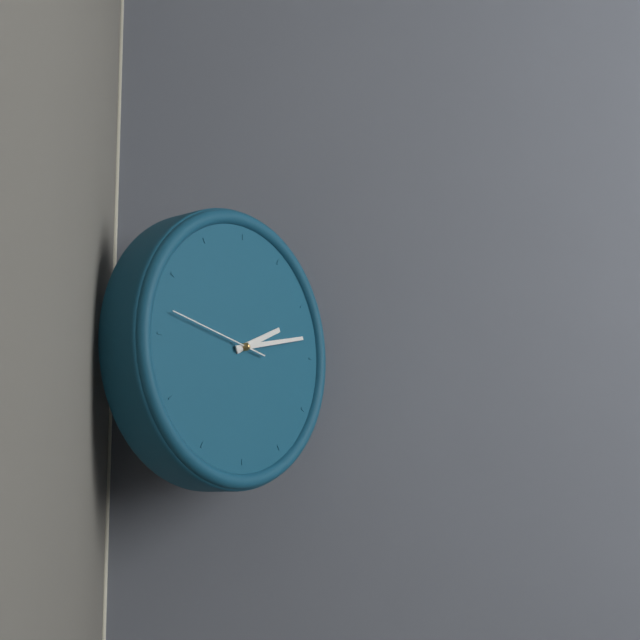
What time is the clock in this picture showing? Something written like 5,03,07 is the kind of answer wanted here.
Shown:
2,13,47
